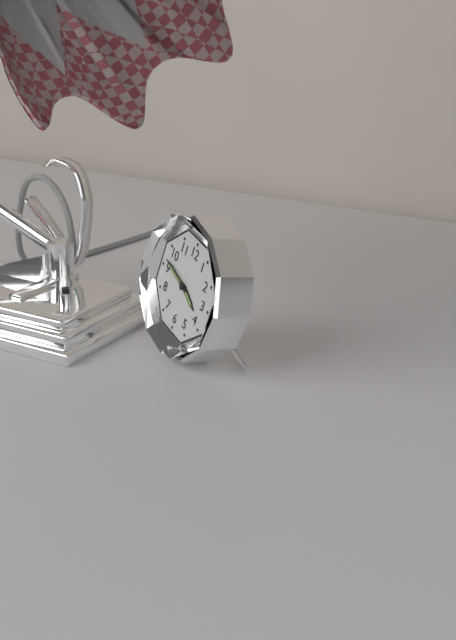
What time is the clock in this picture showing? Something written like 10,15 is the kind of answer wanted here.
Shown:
3,47
